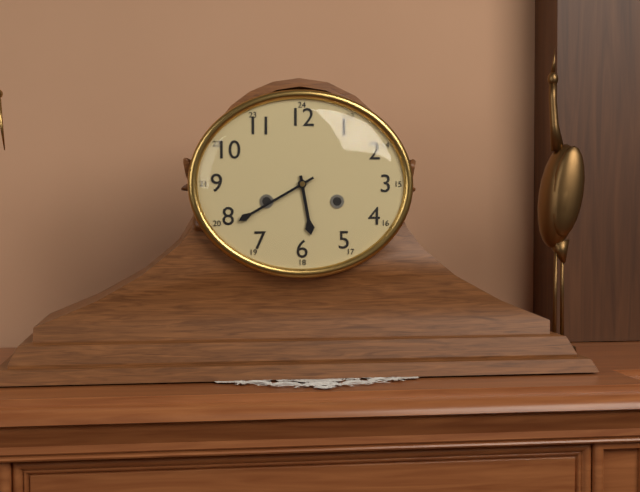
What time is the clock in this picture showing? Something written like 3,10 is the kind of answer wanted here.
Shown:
5,40
